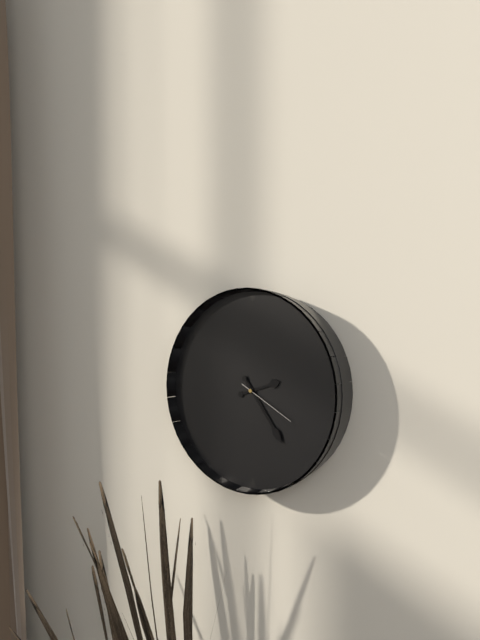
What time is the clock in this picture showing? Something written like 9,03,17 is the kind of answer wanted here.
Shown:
2,24,20
